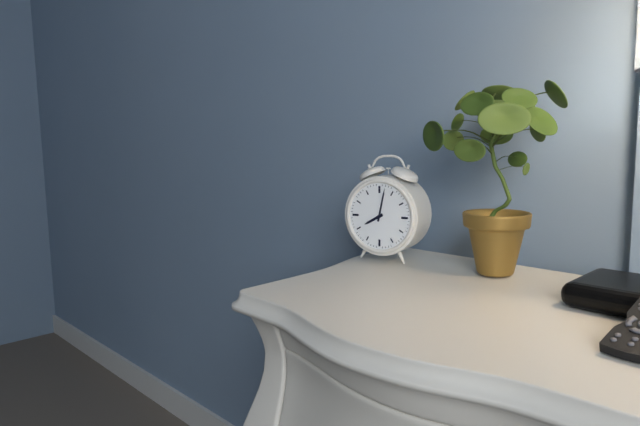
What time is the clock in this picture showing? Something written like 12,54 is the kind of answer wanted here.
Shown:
8,02
